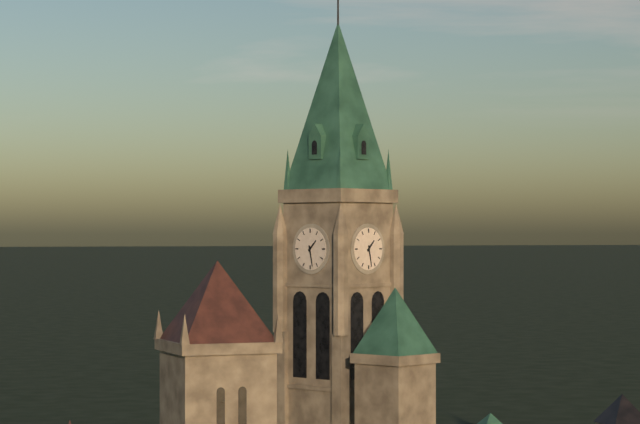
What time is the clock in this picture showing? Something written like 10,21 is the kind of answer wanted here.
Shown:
1,28
